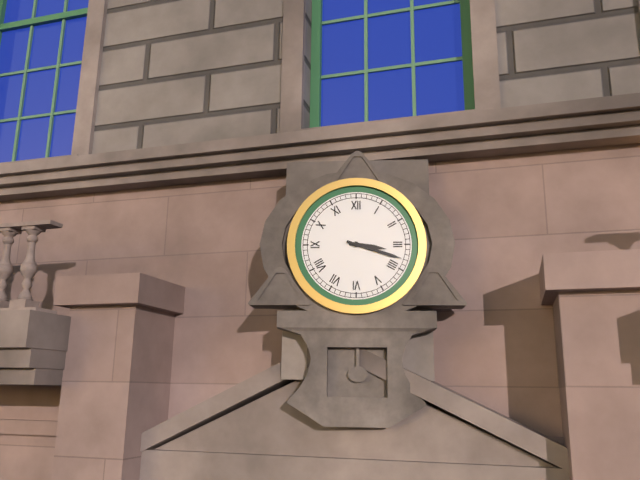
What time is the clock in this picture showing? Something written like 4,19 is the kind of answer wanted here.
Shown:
3,18
